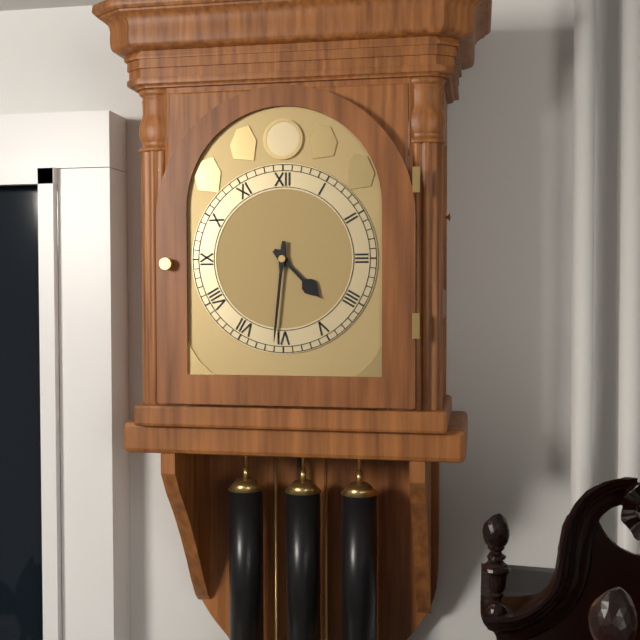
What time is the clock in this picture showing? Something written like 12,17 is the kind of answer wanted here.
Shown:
4,31
